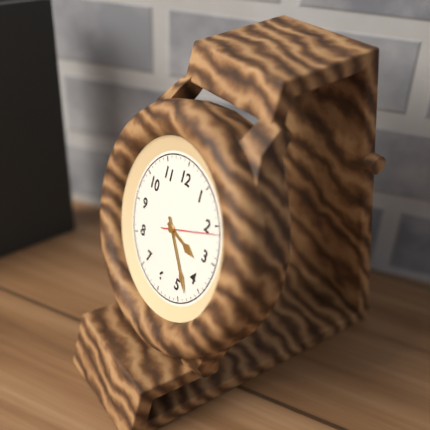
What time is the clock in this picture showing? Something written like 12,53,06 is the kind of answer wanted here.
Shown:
3,23,11
